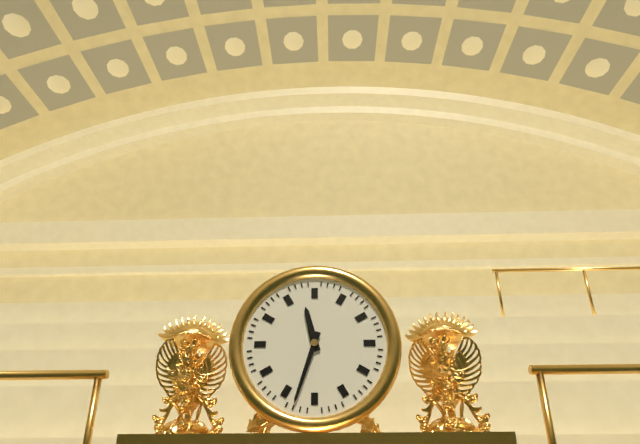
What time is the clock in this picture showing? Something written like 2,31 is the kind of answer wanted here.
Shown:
11,33
